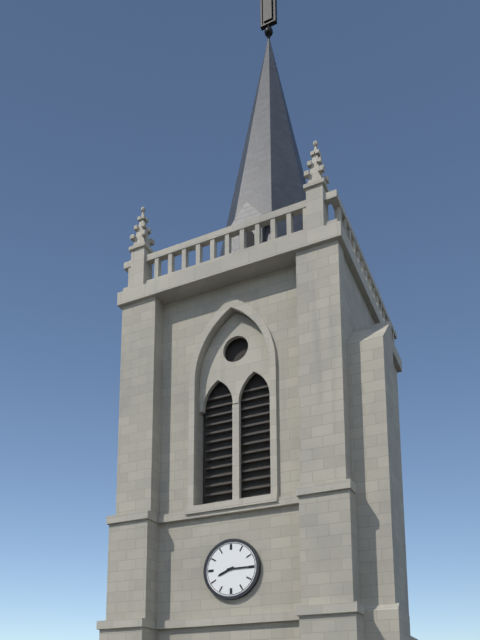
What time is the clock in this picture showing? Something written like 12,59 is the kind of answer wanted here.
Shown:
8,15
